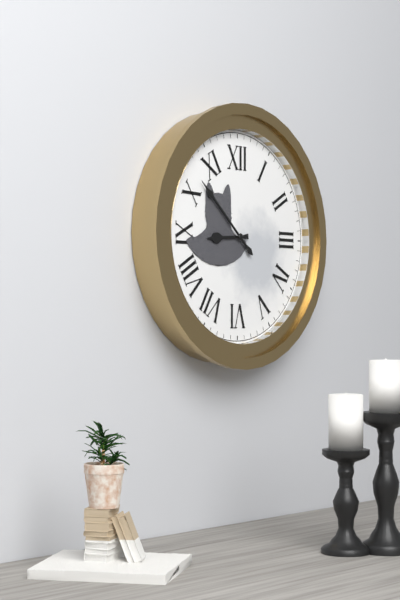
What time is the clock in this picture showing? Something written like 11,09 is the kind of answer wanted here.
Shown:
8,52
